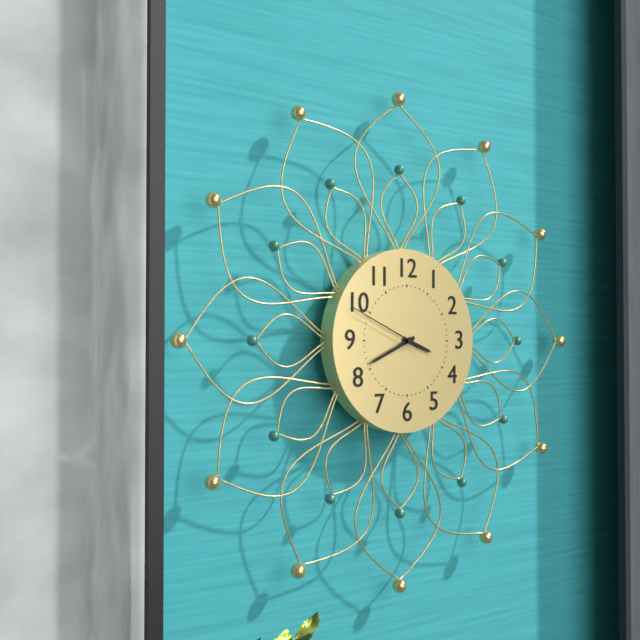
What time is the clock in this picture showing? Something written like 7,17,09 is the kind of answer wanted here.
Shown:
3,41,49
